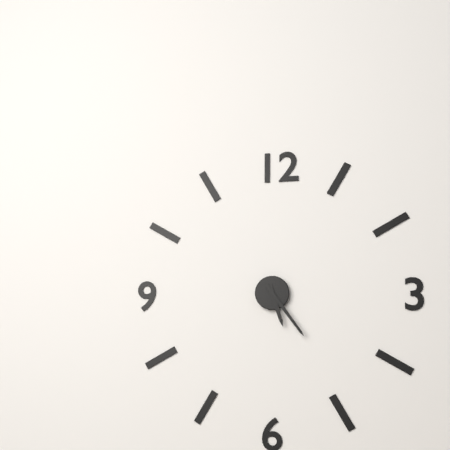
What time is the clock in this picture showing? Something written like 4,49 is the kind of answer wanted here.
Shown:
5,24
